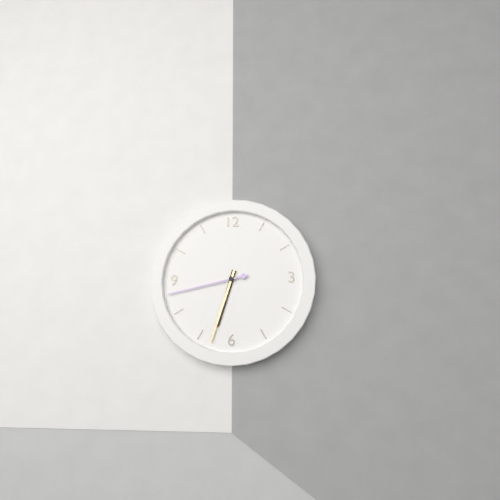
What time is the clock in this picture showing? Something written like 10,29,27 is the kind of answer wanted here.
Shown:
6,33,43
